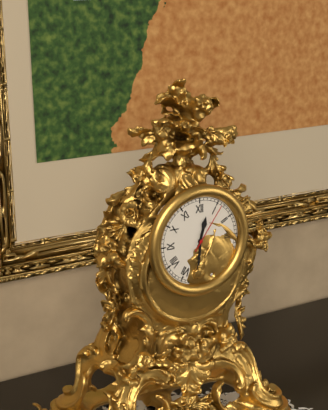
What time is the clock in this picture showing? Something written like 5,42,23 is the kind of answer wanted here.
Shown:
12,31,06
